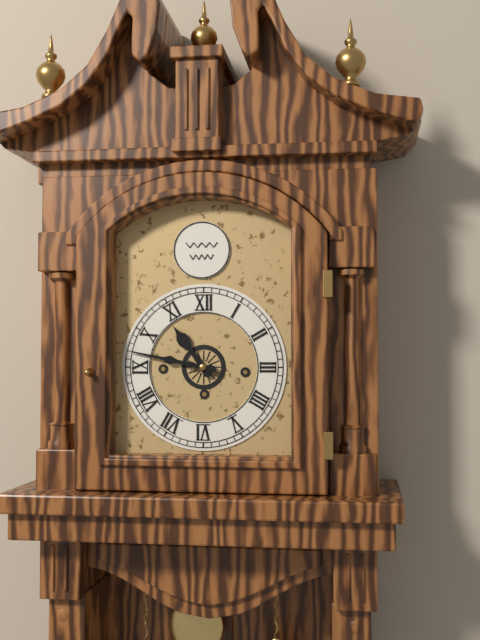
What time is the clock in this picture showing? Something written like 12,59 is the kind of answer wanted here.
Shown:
10,47
